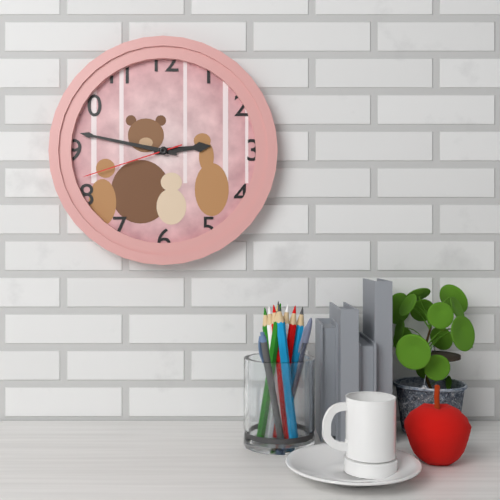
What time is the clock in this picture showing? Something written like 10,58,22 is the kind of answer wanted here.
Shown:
2,47,42
